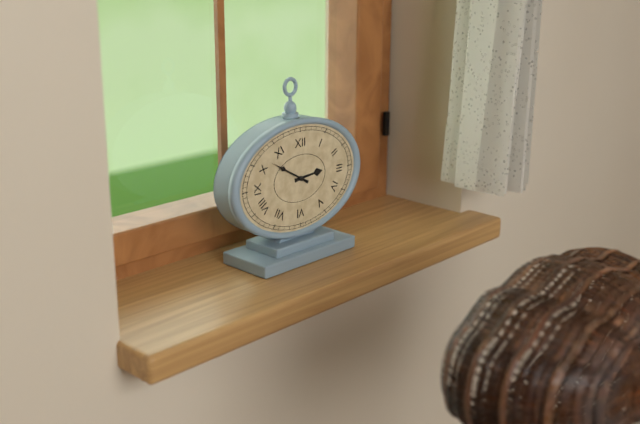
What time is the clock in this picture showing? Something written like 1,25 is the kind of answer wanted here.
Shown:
2,50
